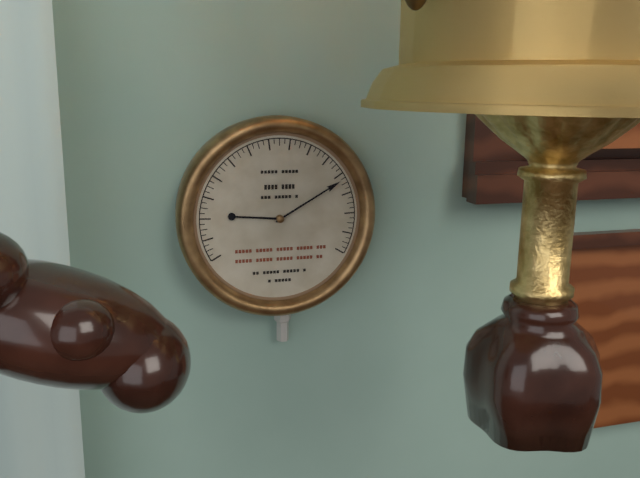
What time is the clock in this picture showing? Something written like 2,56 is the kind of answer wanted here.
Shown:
9,10
